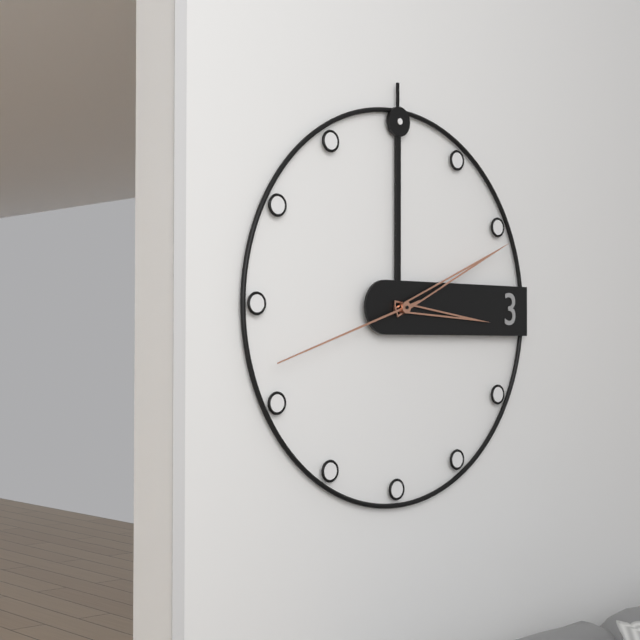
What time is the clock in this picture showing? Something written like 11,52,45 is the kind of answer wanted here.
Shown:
3,11,42
